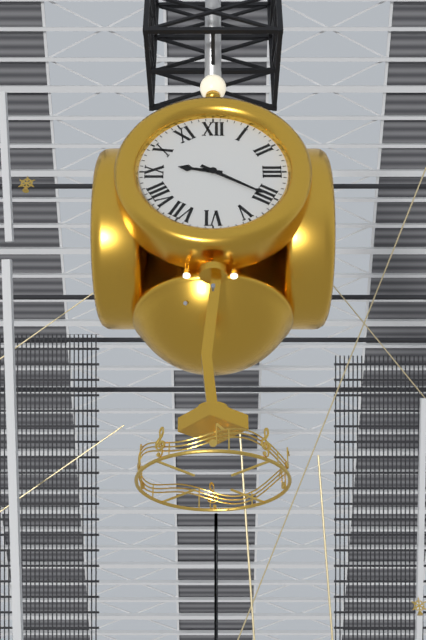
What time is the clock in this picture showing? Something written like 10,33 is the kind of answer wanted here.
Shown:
9,20
